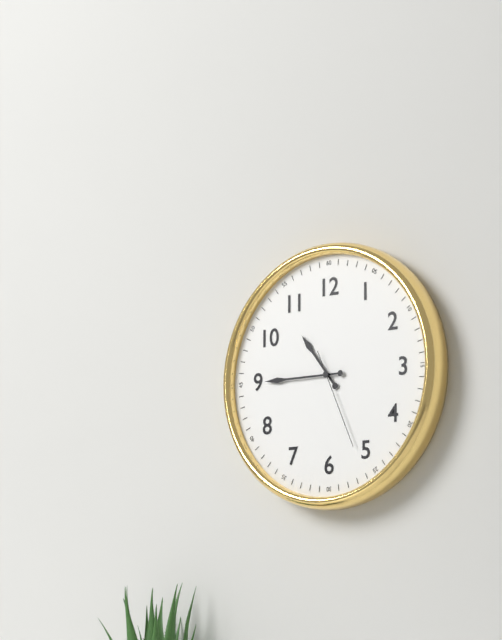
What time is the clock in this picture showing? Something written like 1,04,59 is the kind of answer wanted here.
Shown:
10,45,26
